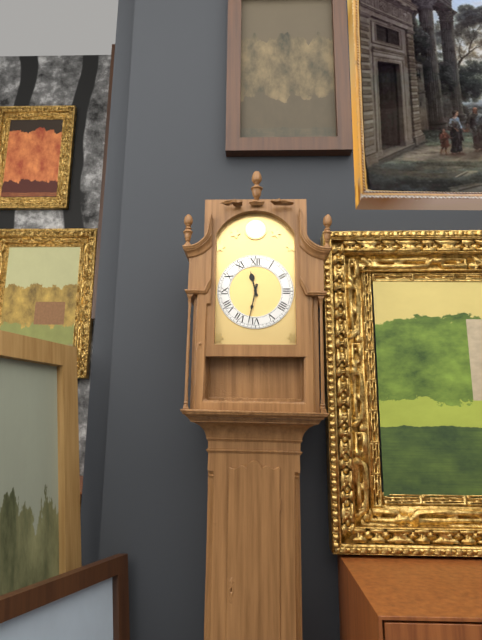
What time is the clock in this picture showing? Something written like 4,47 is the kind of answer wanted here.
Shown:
11,32
